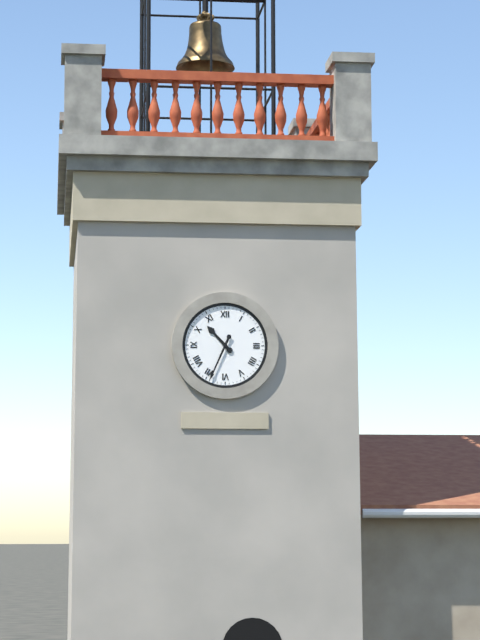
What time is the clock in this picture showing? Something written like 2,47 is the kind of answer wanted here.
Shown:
10,34
